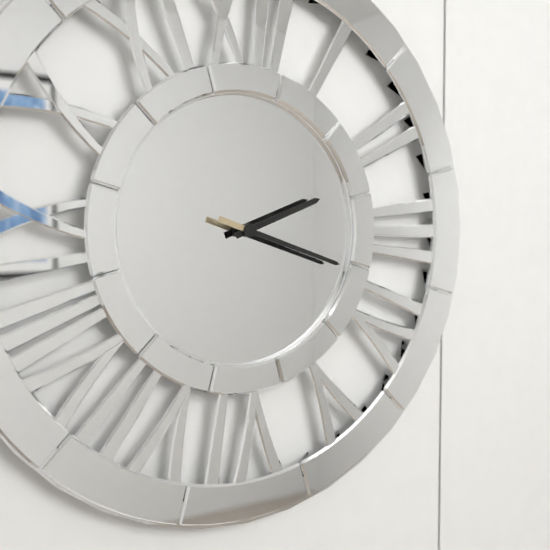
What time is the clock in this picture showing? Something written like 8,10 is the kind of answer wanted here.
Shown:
2,18
